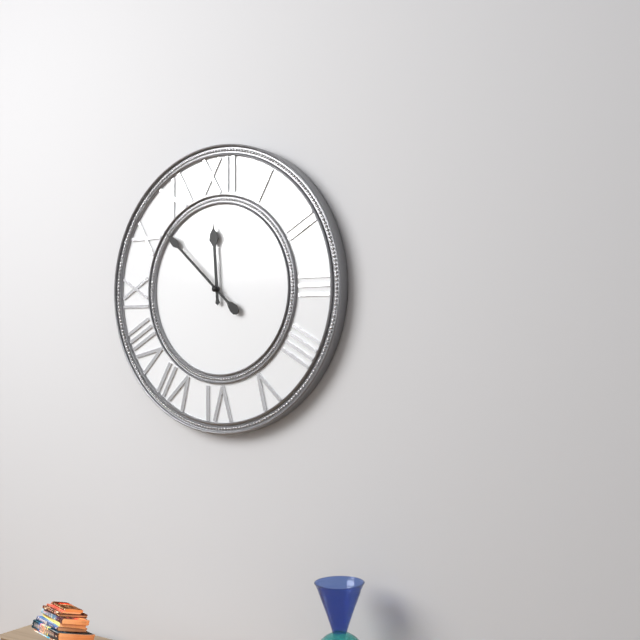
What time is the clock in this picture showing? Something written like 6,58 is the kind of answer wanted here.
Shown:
11,52
